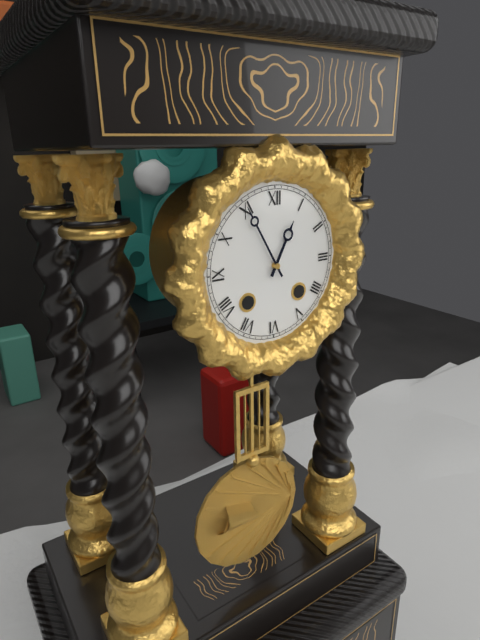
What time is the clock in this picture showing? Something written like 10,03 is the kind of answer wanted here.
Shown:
12,55
